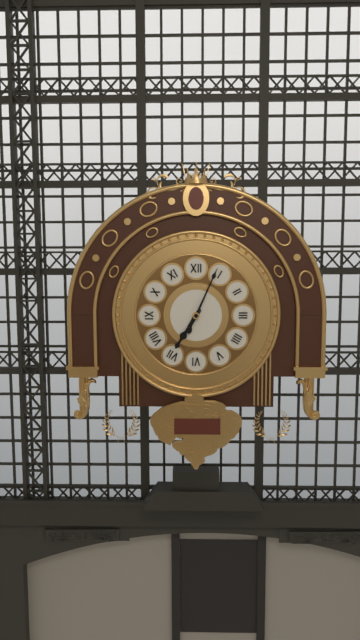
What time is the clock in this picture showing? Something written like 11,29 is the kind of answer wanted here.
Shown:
7,04
